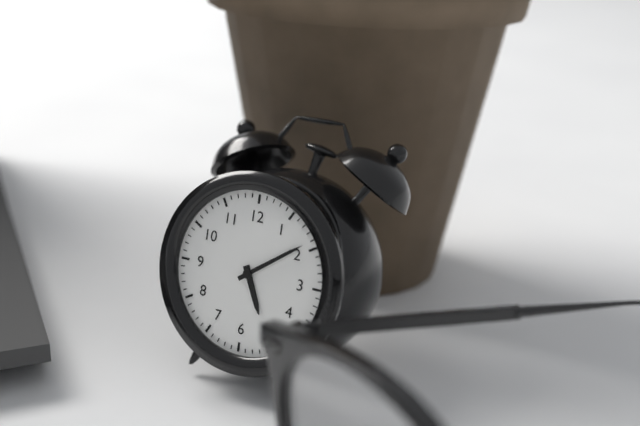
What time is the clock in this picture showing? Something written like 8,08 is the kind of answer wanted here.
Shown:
5,09
